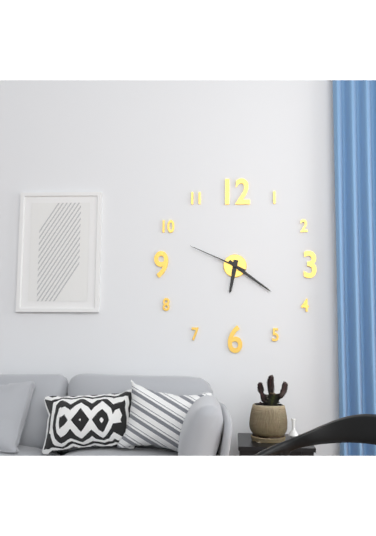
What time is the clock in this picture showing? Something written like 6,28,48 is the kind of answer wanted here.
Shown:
6,21,49
